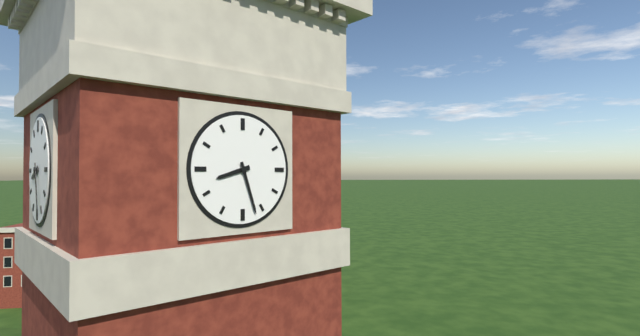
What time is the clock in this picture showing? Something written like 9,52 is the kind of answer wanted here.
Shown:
8,27
